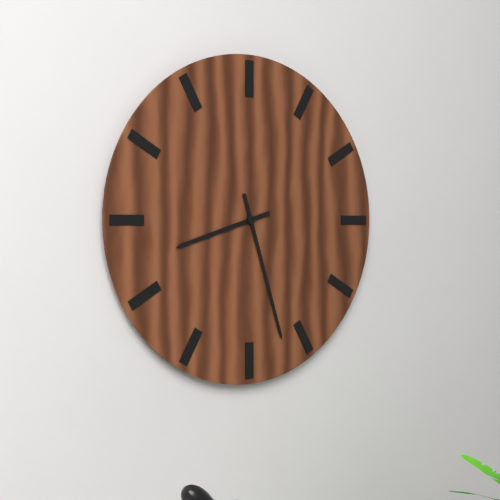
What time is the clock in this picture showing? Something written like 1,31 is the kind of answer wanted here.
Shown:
8,27
